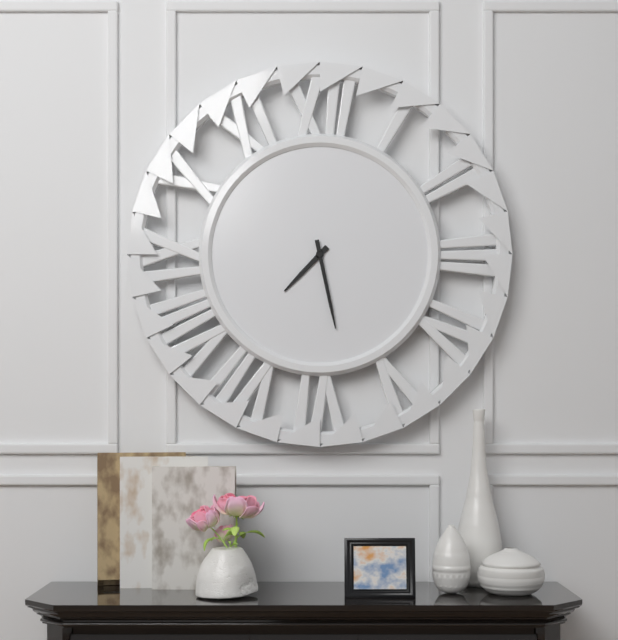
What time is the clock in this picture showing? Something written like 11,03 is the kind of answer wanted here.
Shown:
7,28
